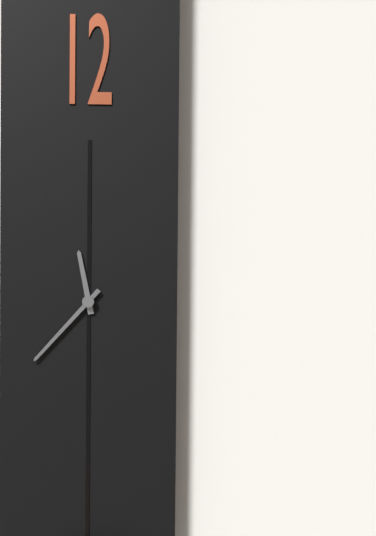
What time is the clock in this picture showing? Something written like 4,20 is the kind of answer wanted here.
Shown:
11,37
